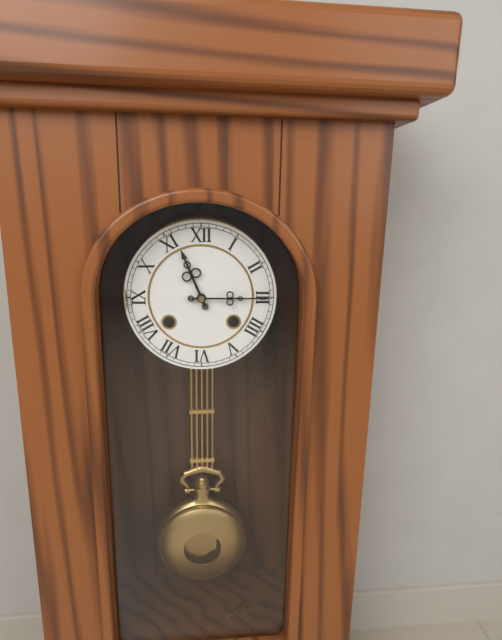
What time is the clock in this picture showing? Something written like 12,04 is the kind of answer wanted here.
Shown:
11,15
